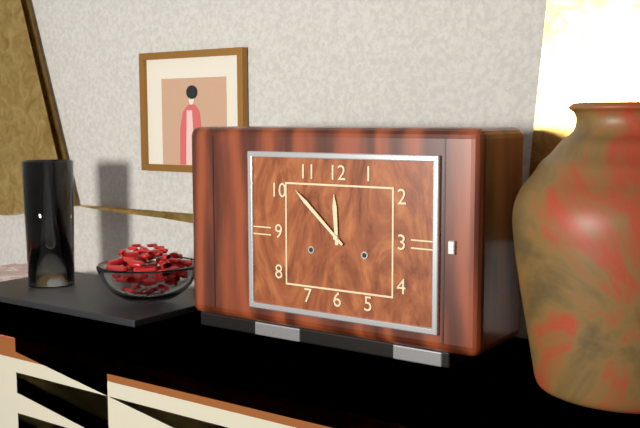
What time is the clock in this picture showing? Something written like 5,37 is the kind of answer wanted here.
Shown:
11,52
